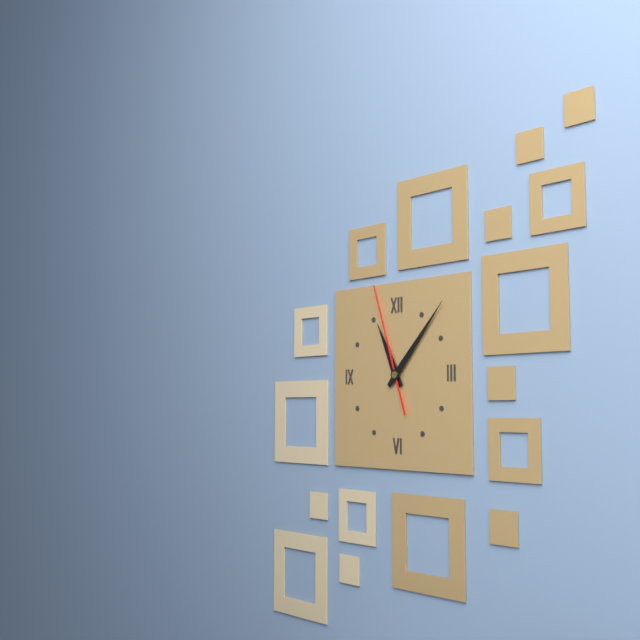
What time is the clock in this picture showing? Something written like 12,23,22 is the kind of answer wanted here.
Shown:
11,07,57
